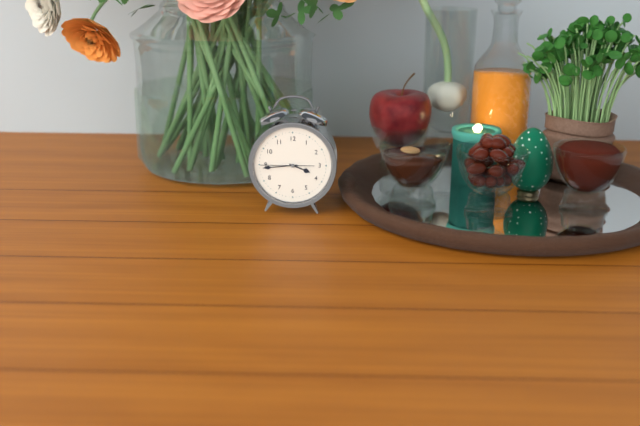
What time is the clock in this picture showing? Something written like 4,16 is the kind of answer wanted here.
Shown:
3,44
